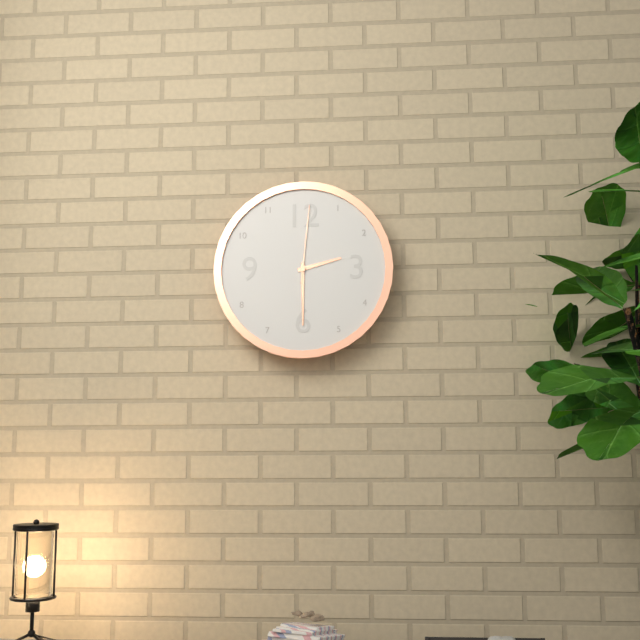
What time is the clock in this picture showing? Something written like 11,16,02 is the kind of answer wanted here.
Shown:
2,30,01
